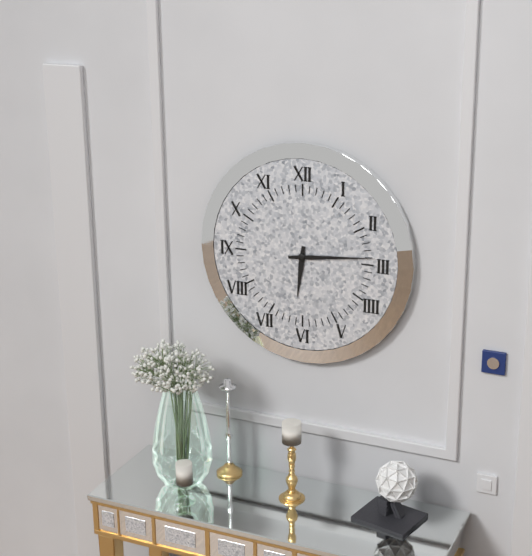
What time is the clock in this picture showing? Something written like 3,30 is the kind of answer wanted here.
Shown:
6,14
